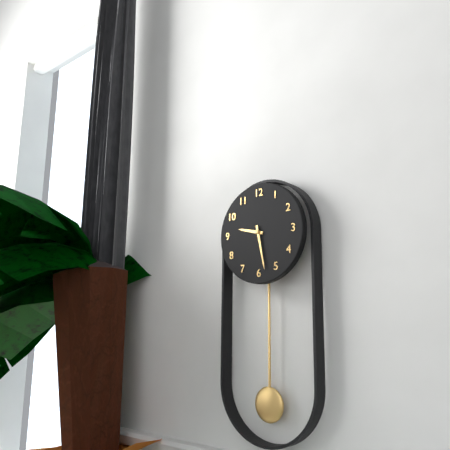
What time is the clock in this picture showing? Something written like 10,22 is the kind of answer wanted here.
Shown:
9,28
